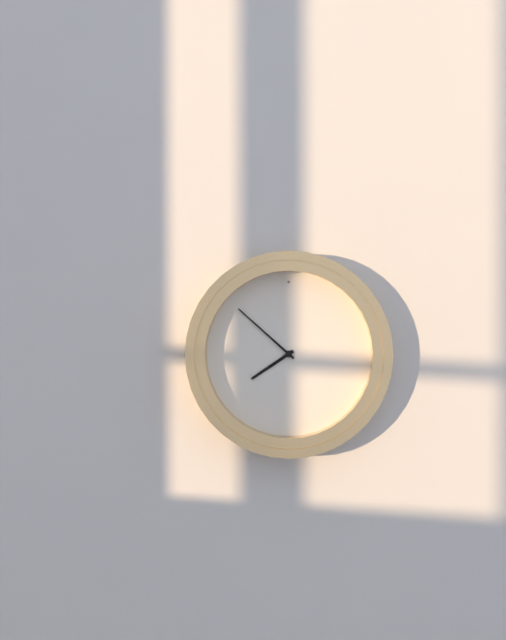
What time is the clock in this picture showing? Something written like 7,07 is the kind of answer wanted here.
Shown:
7,52
